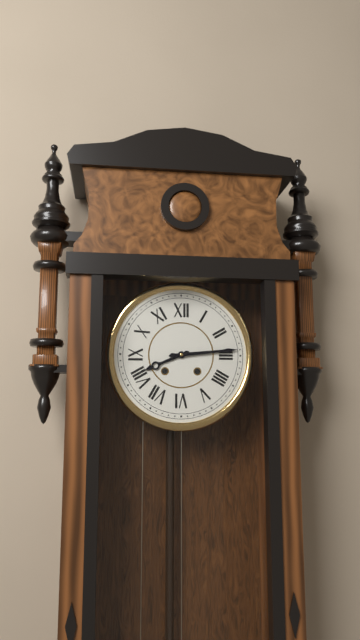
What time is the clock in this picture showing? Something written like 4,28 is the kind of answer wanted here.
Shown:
8,14
